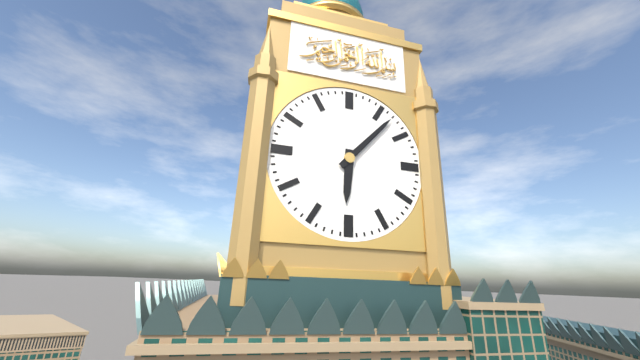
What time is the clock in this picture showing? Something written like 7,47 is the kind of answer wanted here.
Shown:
6,07
